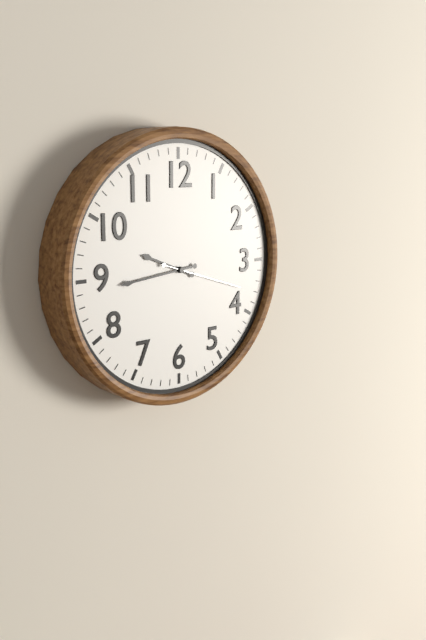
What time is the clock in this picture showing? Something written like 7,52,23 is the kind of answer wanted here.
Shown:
9,44,18
